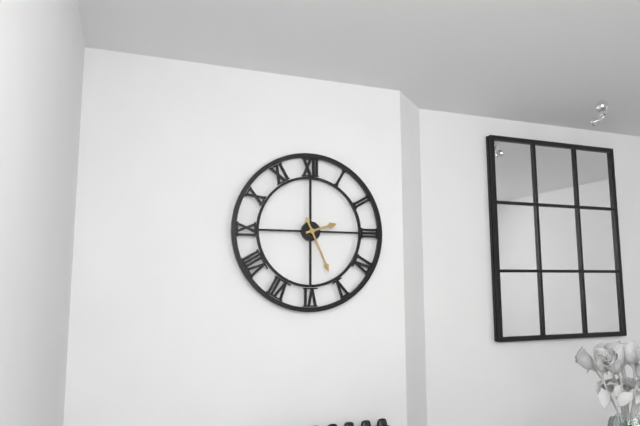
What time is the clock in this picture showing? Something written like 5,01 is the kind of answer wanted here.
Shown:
2,26
